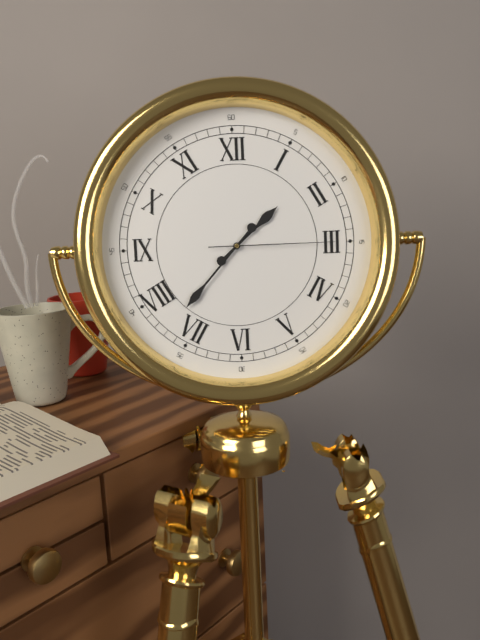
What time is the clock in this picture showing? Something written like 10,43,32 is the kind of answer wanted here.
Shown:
1,37,15
